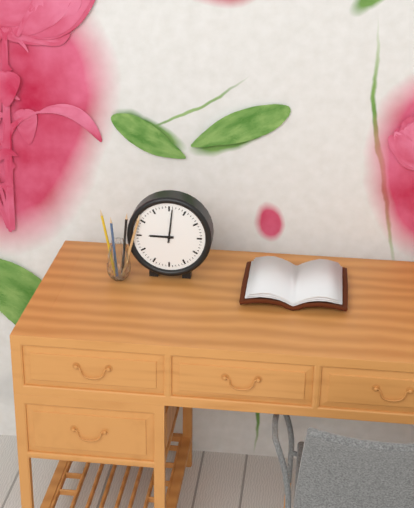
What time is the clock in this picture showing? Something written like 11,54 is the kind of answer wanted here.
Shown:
9,01
